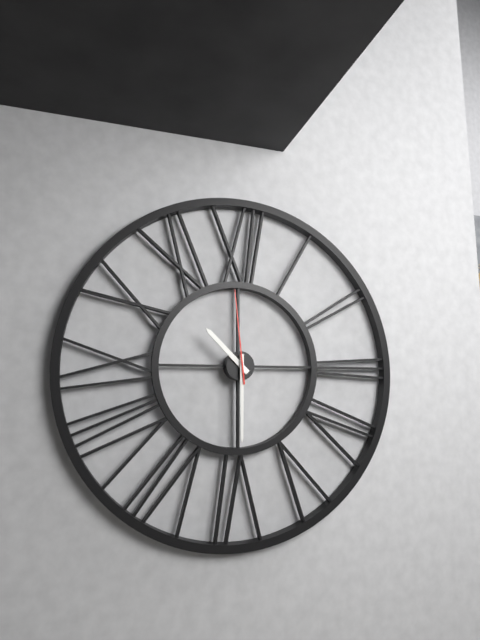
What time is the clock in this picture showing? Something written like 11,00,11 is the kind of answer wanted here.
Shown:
10,30,59
